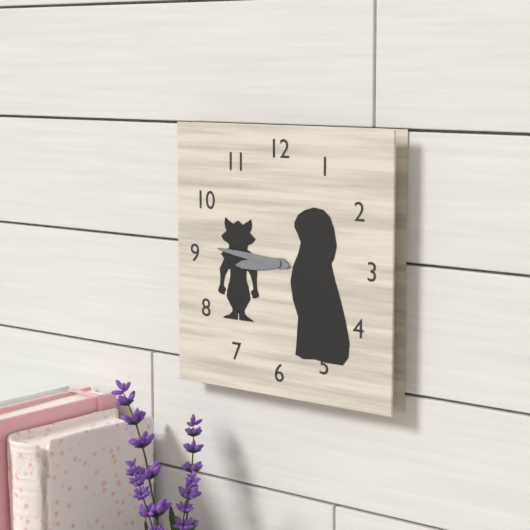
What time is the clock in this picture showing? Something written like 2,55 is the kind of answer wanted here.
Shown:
8,46
